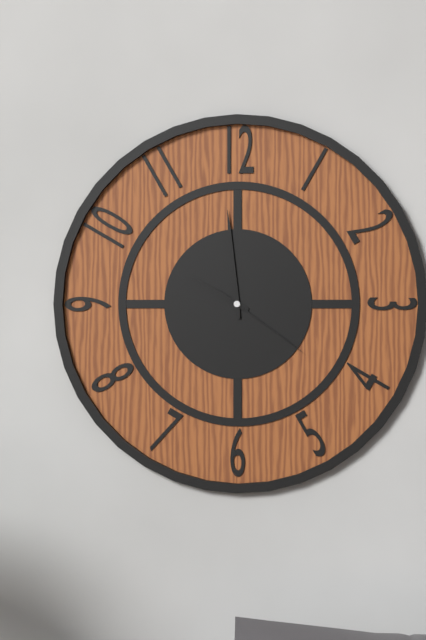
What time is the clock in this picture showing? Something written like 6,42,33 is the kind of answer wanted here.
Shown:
9,59,21
